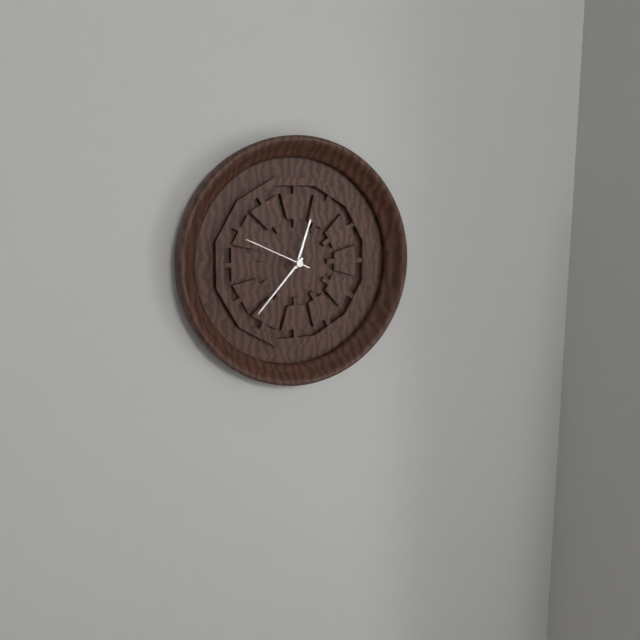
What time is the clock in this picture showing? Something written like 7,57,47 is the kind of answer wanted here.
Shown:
12,37,49
